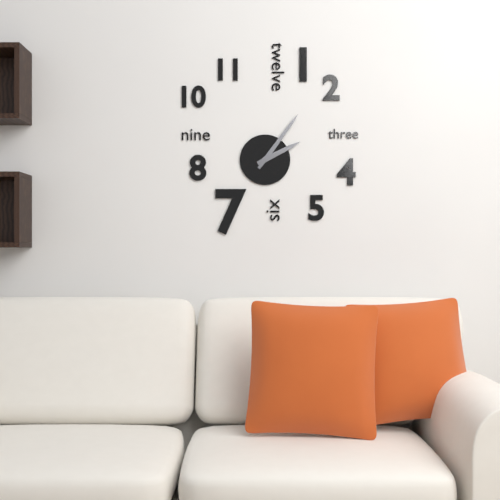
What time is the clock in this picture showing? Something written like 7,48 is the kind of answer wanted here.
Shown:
2,06
